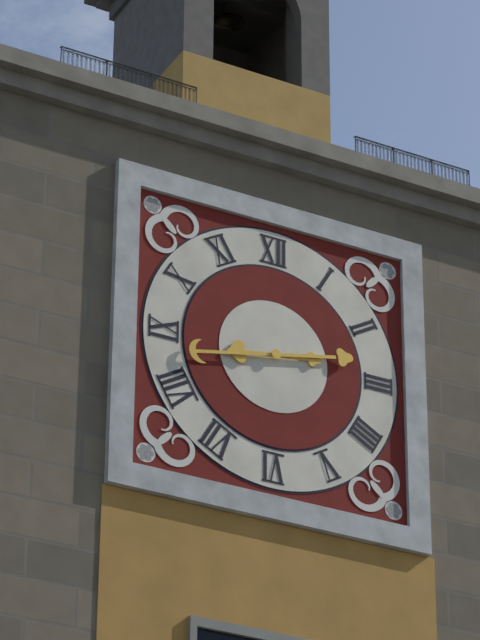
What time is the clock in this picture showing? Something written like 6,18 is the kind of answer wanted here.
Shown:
8,43
